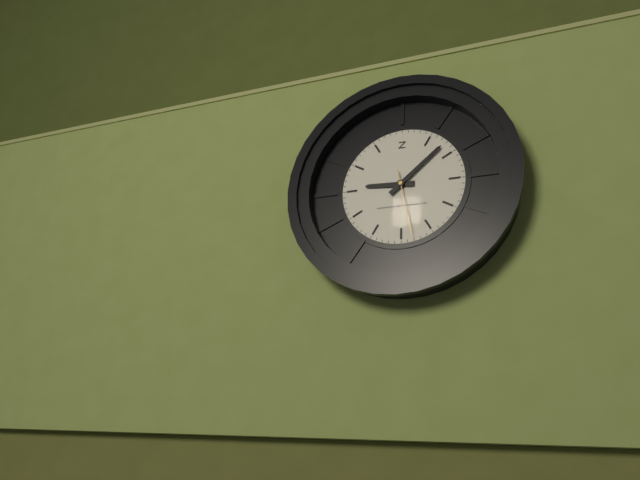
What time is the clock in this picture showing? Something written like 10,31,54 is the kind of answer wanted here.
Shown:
9,08,28
